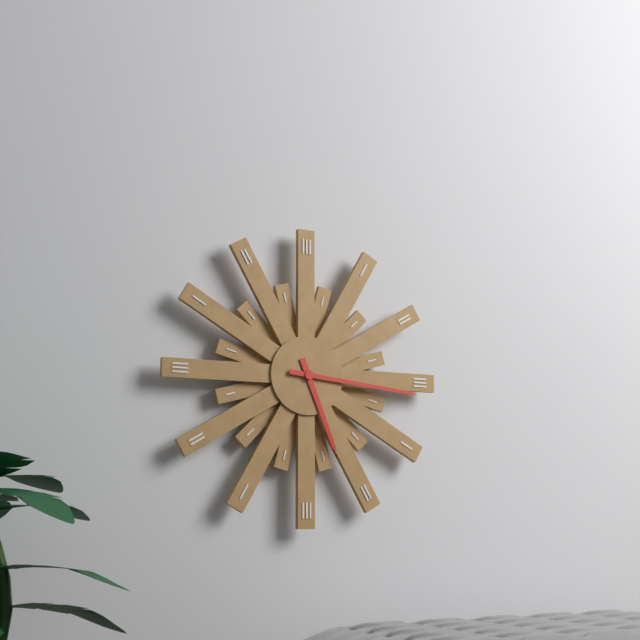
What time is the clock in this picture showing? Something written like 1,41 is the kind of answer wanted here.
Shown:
5,16
